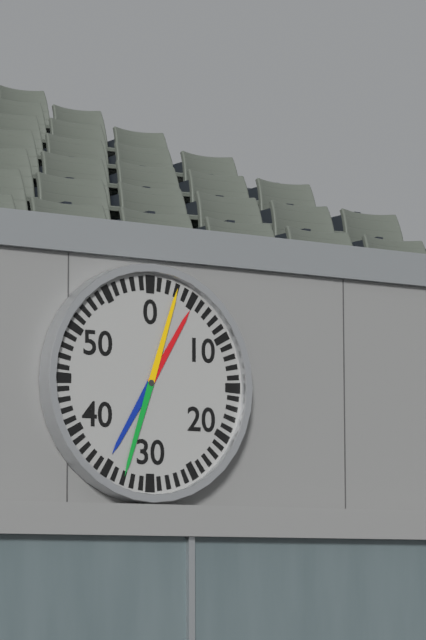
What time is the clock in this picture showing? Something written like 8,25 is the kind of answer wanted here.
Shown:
1,03
